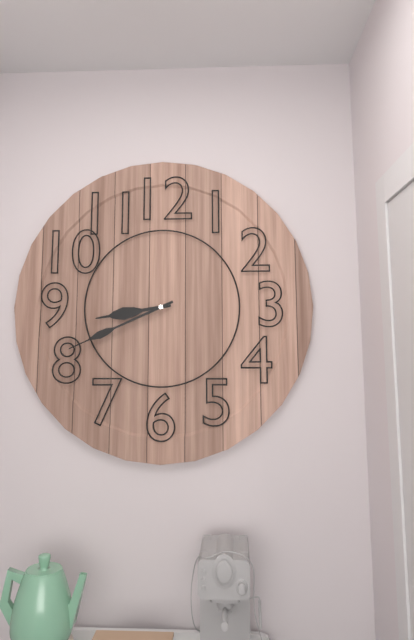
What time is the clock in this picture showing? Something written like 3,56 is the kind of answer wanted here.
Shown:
8,41
